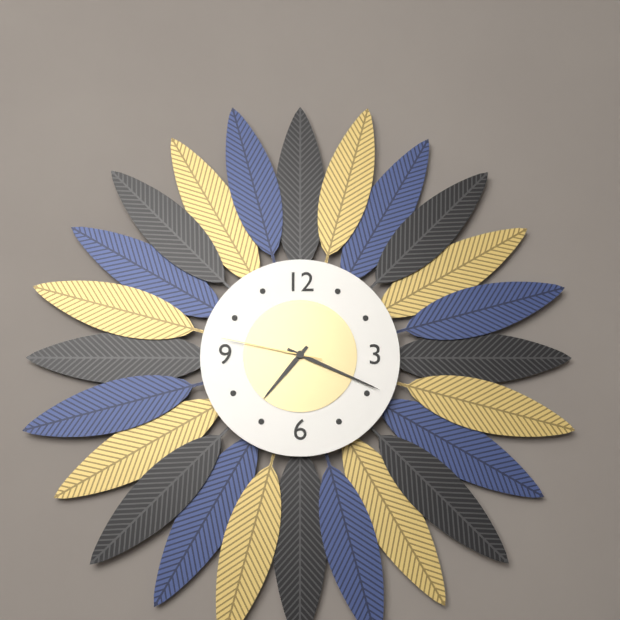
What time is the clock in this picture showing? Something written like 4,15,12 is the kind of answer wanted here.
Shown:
7,19,47
